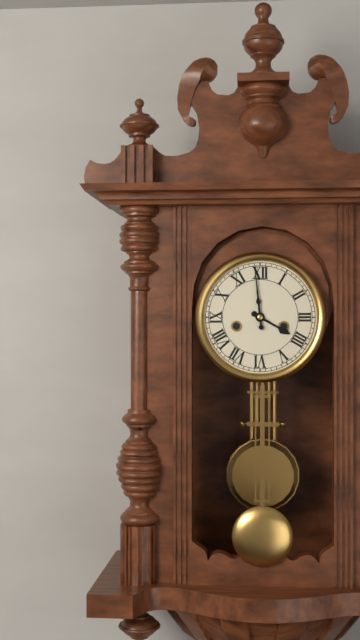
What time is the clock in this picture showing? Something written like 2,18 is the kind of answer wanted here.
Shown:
3,59
